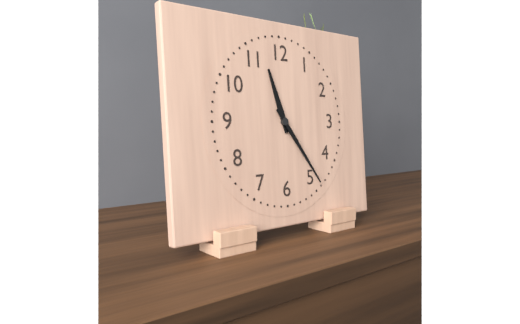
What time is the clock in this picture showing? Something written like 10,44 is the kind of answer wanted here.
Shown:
11,24
